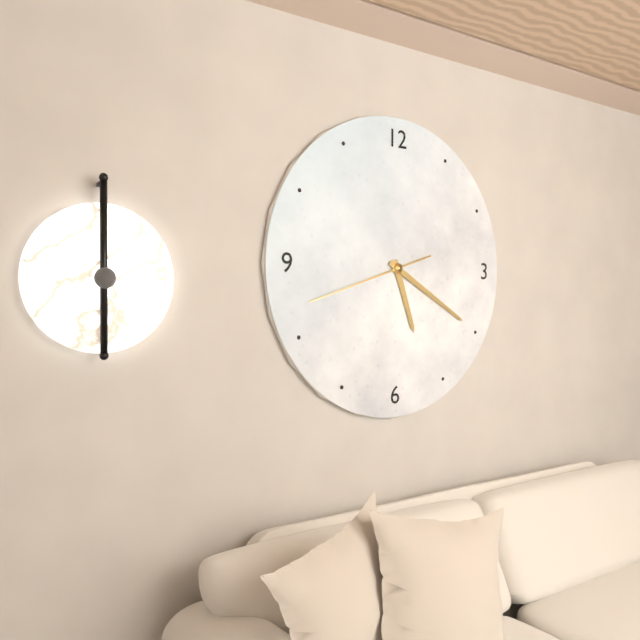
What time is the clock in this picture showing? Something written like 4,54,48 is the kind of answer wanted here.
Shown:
5,20,42
